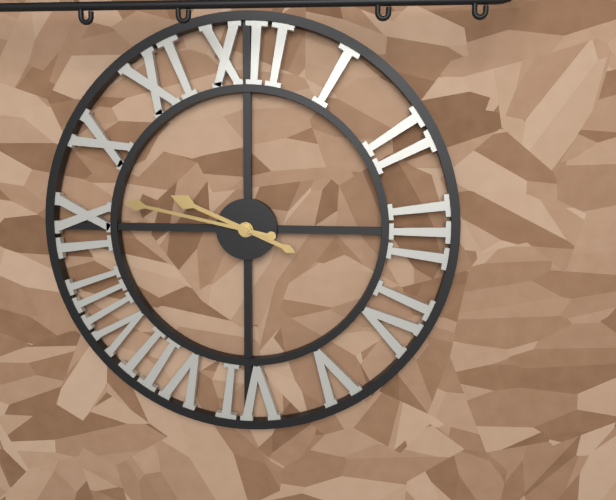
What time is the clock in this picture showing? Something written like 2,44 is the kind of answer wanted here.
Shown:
9,47
